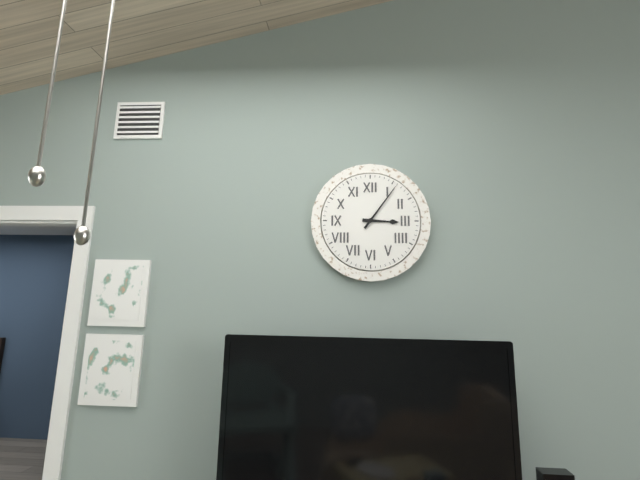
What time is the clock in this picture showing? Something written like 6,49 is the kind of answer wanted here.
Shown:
3,06
